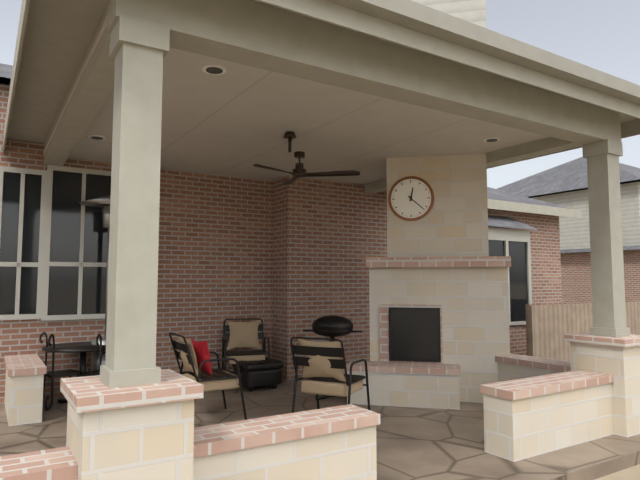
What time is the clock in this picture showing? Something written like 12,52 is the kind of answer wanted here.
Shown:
12,22
